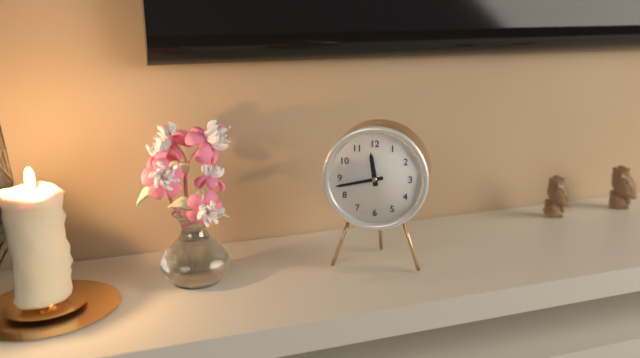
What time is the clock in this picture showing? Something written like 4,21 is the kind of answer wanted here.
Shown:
11,43
